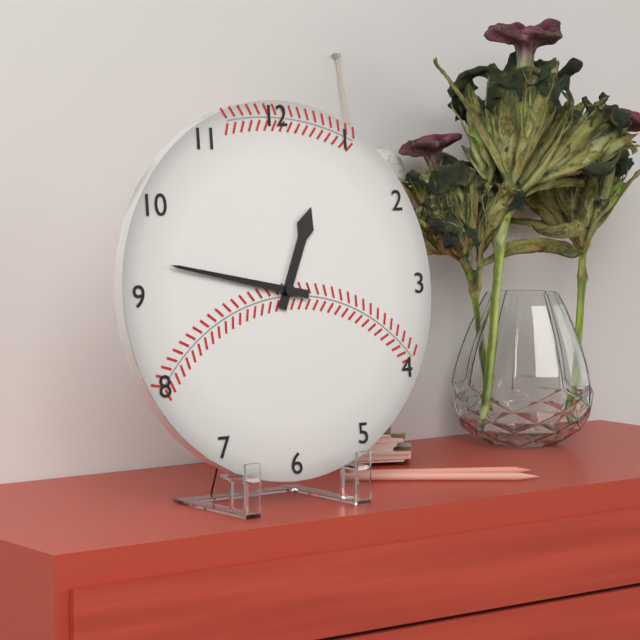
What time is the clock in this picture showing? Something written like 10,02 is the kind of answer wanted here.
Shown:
12,47
